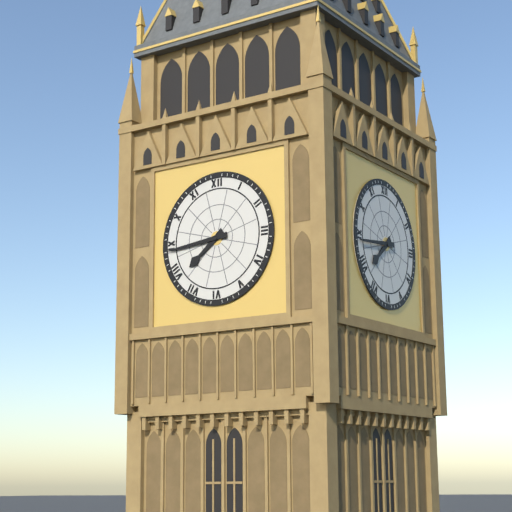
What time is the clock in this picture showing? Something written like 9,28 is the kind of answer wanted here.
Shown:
7,44
